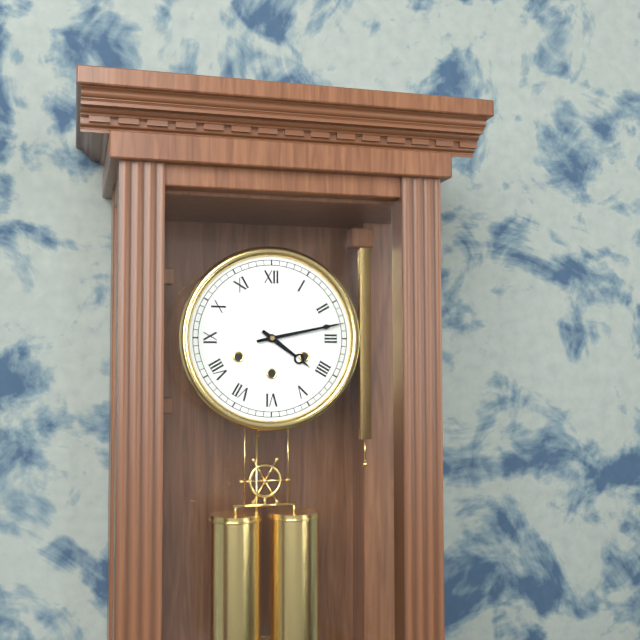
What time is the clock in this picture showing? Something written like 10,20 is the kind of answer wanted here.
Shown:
4,13
